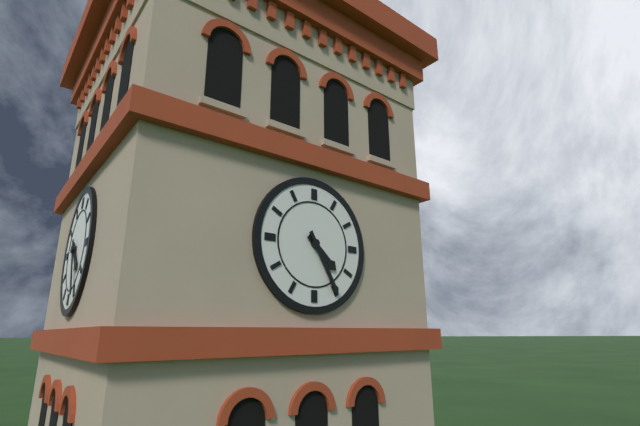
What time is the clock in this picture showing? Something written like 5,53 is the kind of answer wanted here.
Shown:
4,25
